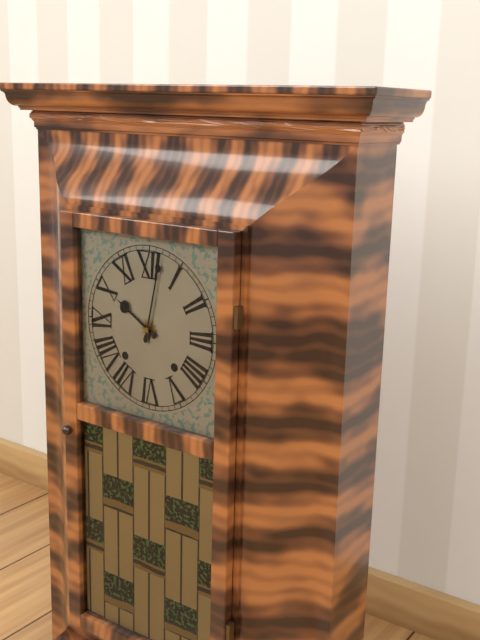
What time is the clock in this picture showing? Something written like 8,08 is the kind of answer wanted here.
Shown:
10,02
